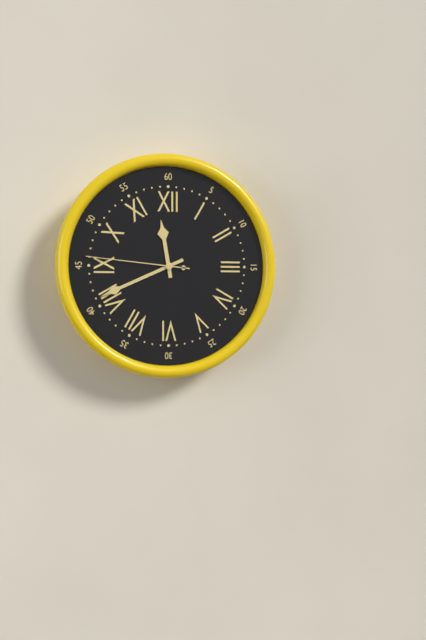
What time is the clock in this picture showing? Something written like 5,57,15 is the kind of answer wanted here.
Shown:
11,41,46
